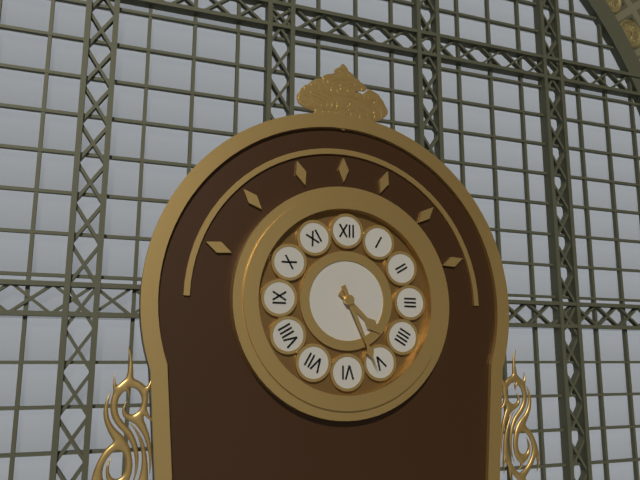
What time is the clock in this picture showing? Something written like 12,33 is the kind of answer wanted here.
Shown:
4,26
